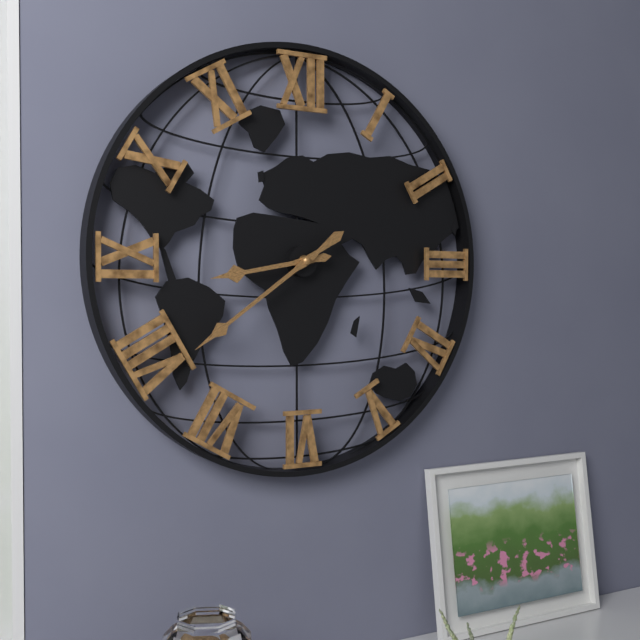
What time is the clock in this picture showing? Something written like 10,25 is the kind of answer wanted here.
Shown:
8,39
